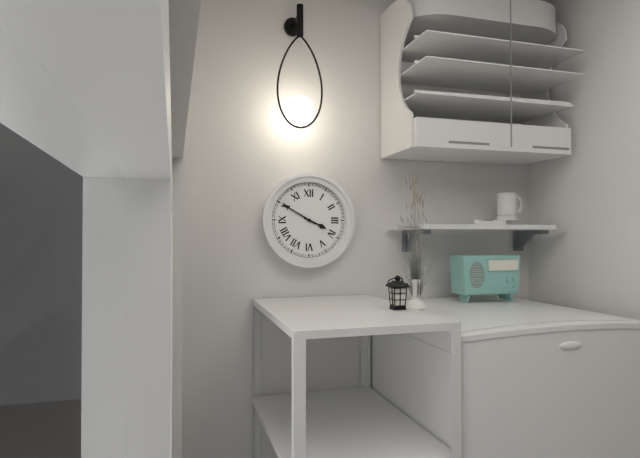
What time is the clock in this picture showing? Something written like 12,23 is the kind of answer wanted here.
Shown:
3,50
